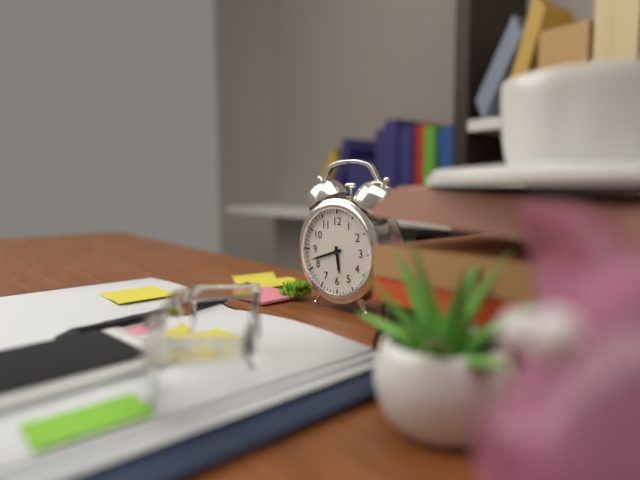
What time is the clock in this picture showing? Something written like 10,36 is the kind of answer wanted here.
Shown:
5,42
